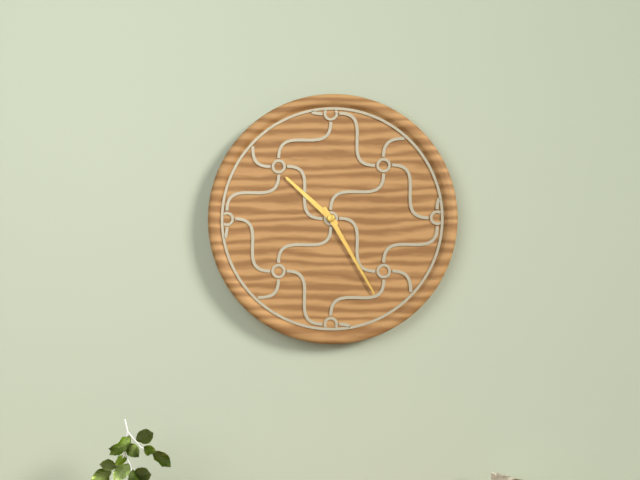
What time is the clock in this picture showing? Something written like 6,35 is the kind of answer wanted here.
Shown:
10,25
